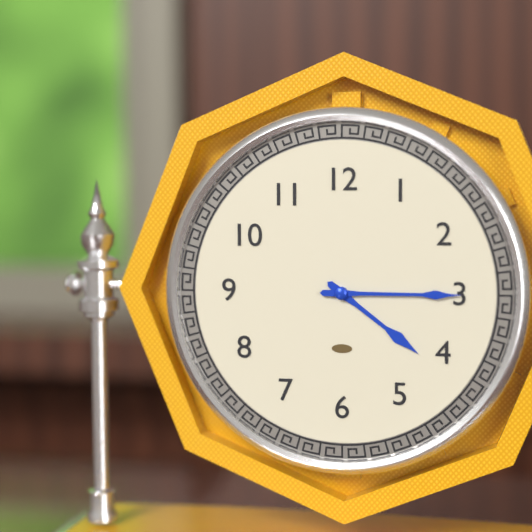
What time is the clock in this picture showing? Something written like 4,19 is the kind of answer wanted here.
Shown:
4,15
